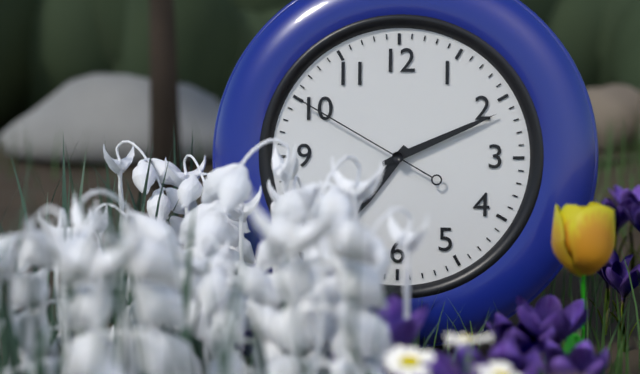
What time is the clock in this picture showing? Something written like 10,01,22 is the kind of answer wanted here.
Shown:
7,11,50
